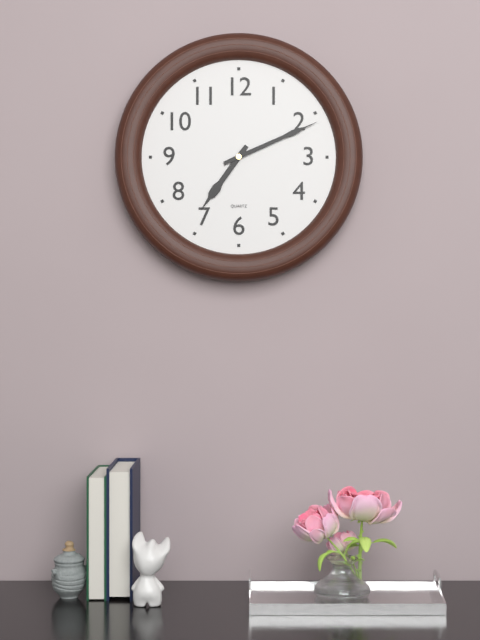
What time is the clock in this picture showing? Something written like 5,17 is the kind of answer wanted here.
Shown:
7,11
